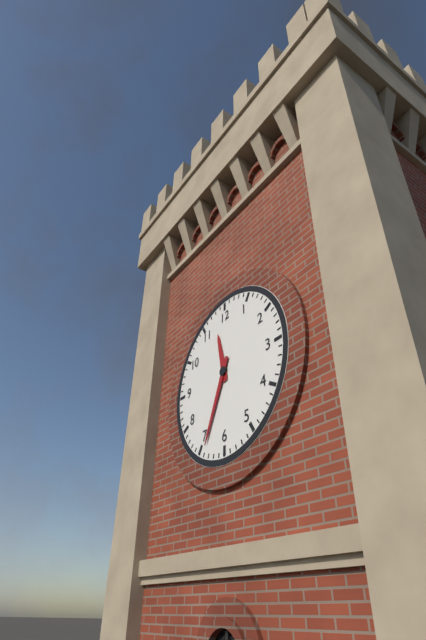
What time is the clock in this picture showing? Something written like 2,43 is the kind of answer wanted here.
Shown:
11,34
